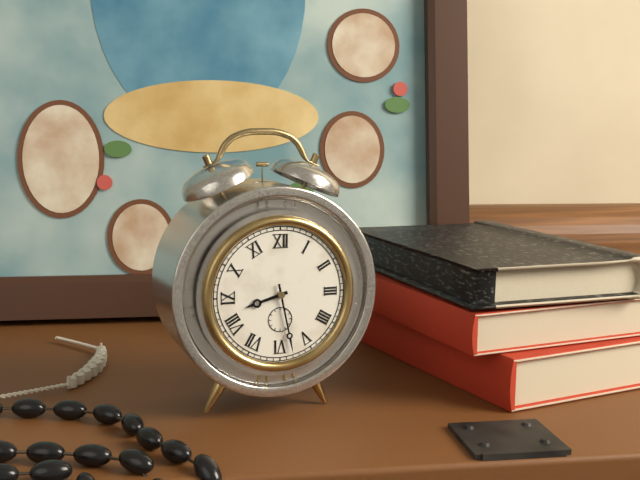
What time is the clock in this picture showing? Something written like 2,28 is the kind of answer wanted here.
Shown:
8,28
